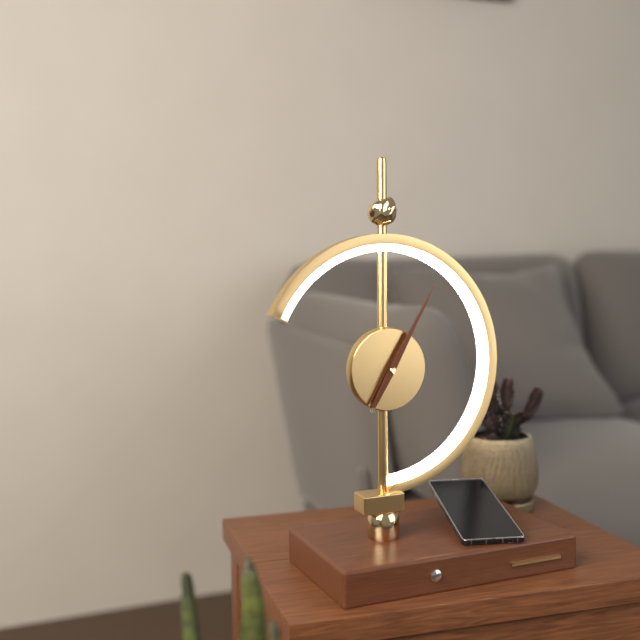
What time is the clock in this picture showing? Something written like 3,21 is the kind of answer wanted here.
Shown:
1,05
